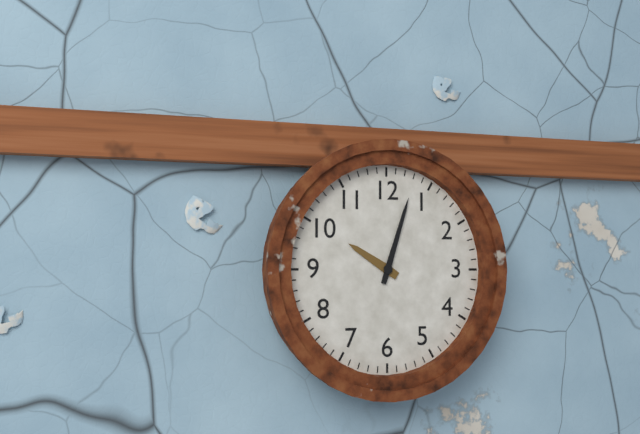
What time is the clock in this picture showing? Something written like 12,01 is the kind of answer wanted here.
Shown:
10,03
